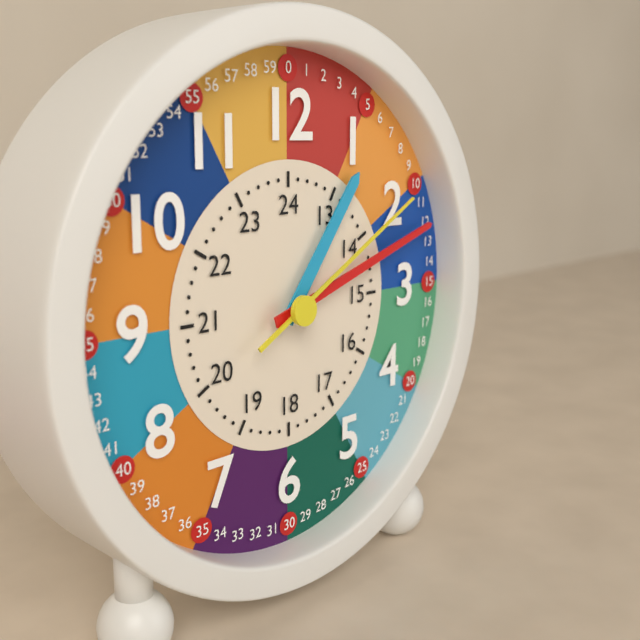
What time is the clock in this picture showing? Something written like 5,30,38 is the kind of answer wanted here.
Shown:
1,12,10
